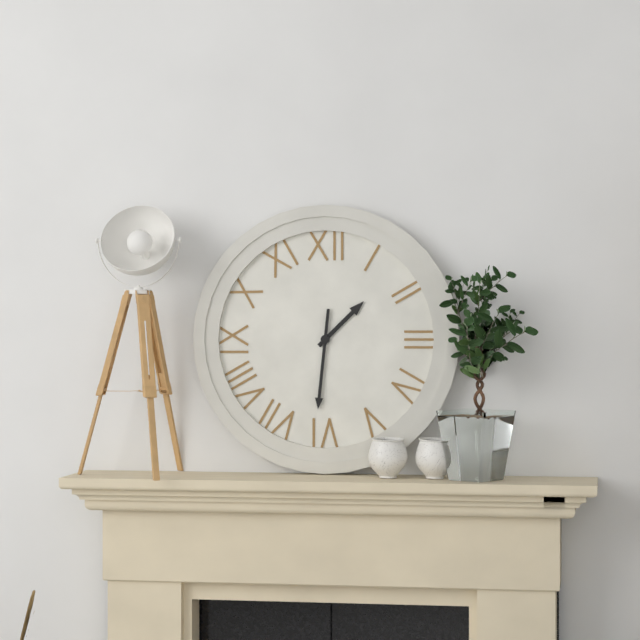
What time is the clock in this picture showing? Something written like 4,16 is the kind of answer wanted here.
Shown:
1,31
